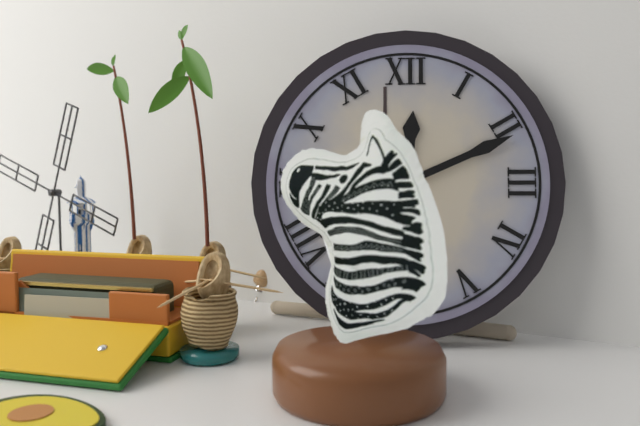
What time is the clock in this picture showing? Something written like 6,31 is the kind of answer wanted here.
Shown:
12,11
